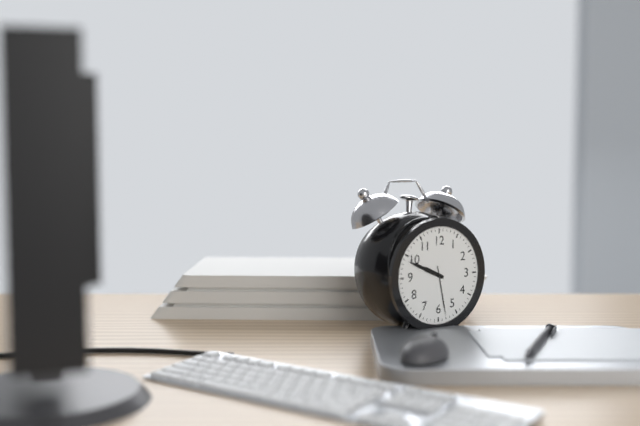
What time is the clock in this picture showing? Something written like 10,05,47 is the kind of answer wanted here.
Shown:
9,49,28
